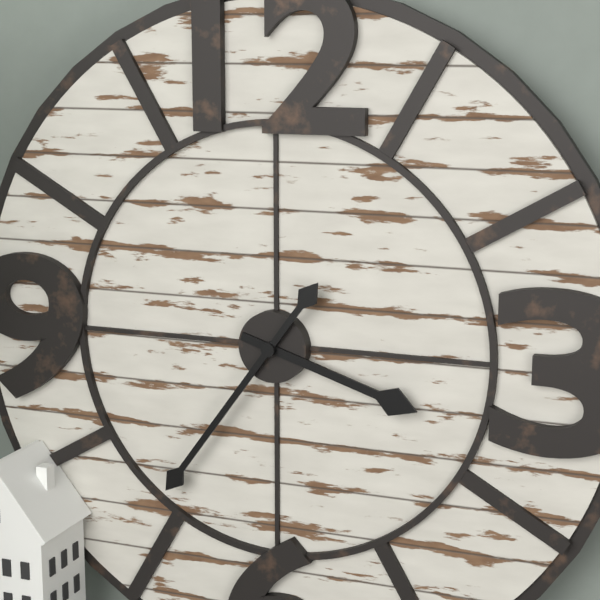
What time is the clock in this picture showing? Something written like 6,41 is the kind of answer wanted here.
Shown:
3,36
